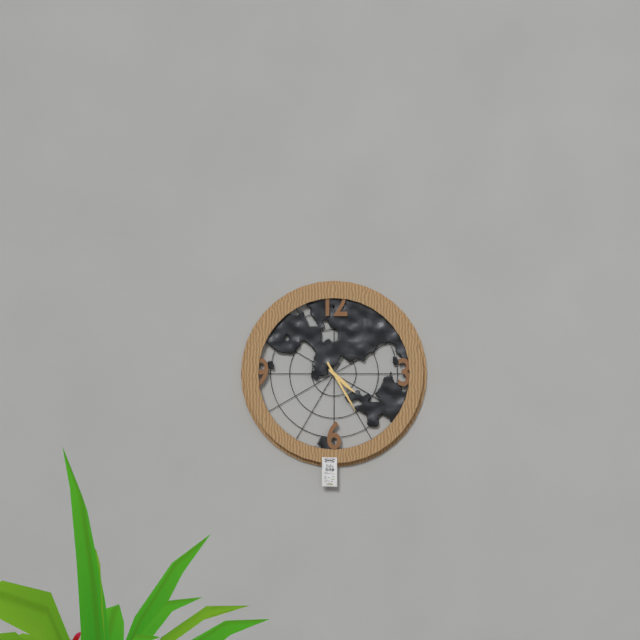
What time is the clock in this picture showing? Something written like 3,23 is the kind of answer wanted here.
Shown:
4,25
